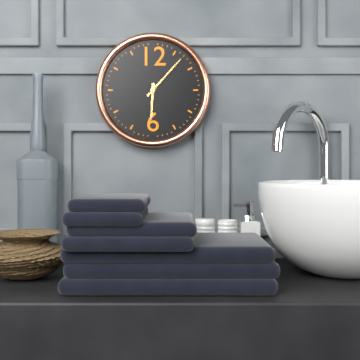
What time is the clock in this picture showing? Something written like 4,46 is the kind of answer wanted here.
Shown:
6,07
